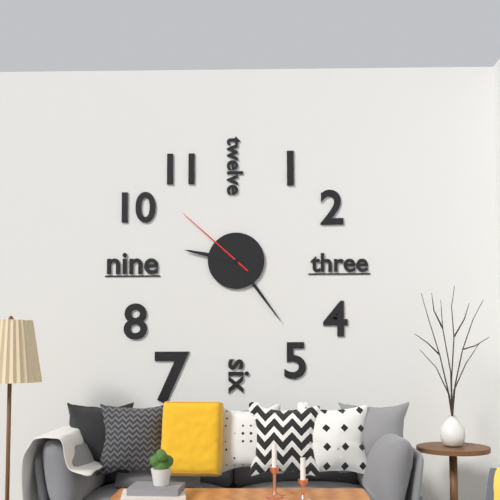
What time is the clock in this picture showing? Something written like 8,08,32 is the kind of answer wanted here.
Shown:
9,24,52
